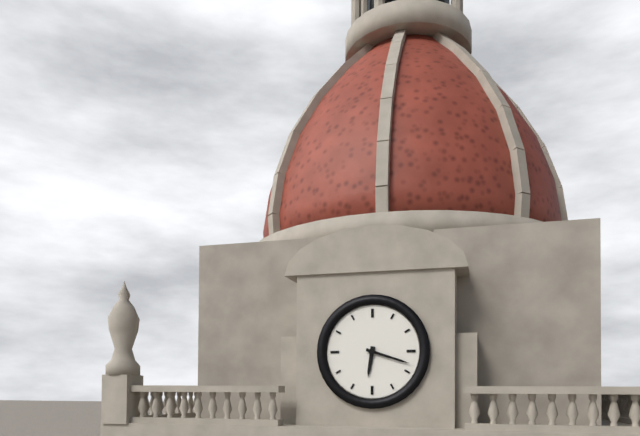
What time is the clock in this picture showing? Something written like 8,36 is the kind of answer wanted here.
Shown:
6,18
